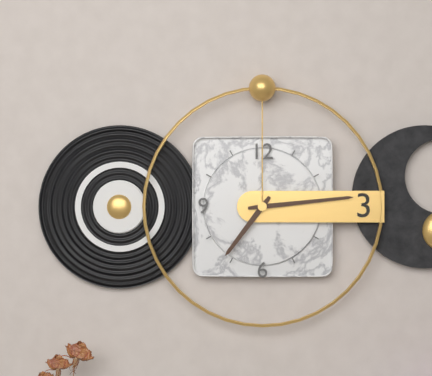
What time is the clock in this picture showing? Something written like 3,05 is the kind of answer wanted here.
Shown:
7,14
